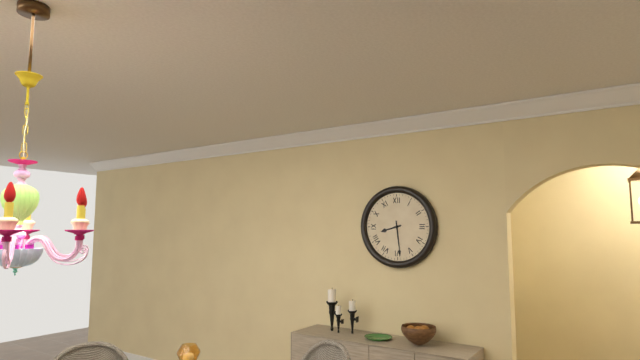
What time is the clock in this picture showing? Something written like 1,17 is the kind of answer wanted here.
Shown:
8,29
